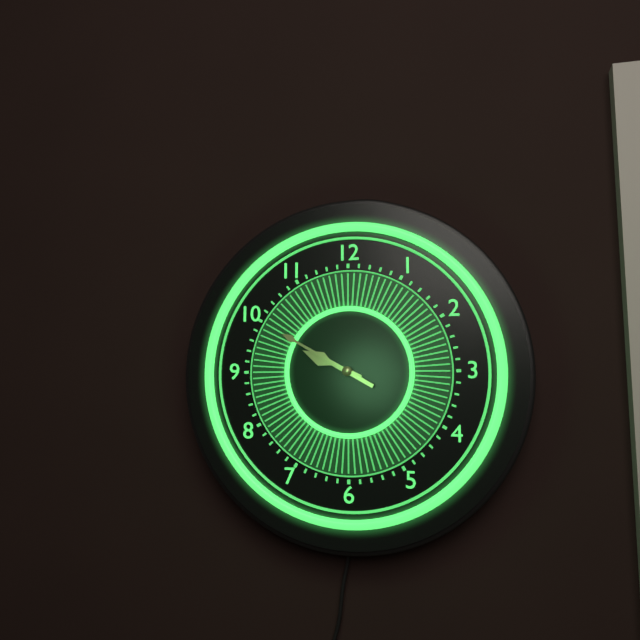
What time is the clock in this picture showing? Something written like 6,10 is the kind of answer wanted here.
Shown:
9,50
